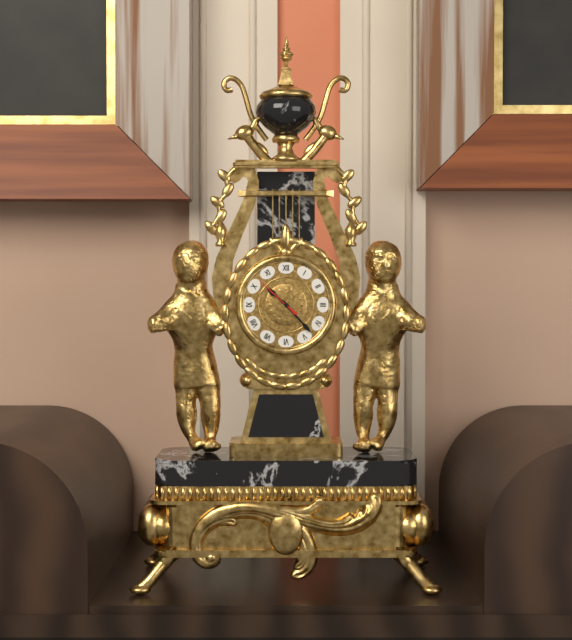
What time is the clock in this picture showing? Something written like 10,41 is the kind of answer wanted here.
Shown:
10,23
